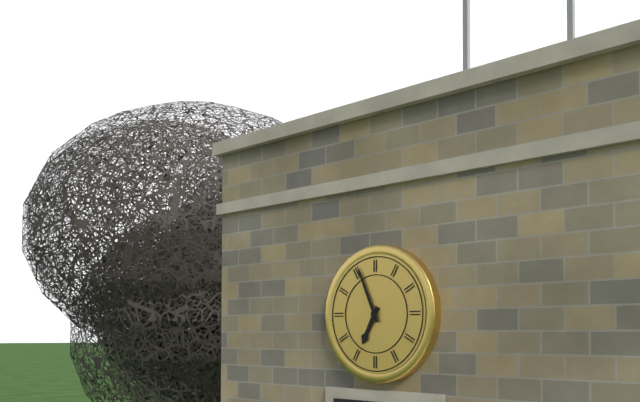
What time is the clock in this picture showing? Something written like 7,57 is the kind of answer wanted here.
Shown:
6,56
